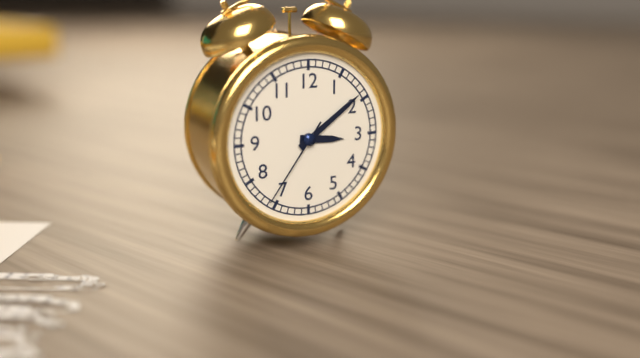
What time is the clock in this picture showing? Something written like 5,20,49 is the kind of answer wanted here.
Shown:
3,09,36
